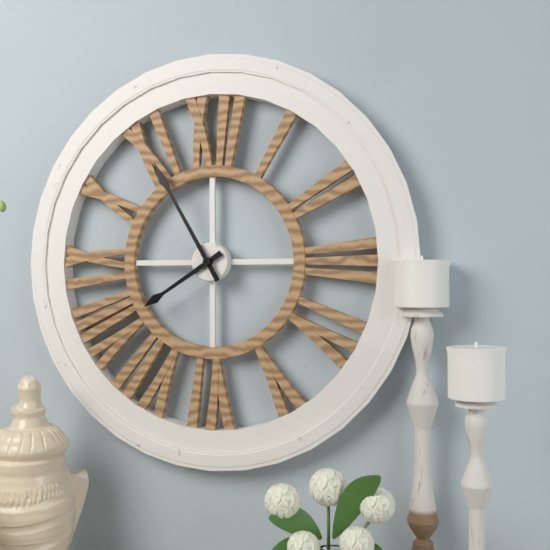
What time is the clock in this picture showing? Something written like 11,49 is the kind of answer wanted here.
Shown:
7,55
